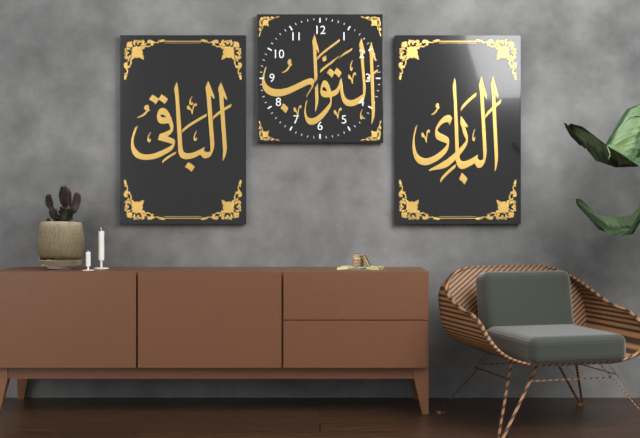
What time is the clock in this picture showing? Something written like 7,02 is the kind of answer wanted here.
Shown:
7,07
